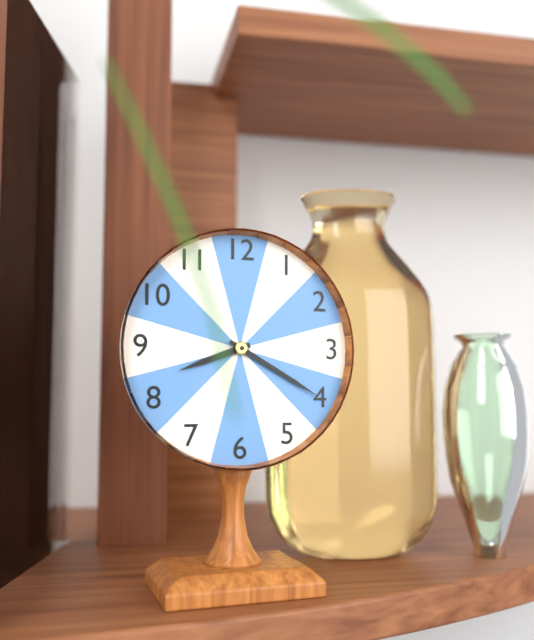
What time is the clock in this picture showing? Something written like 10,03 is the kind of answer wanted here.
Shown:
8,20
